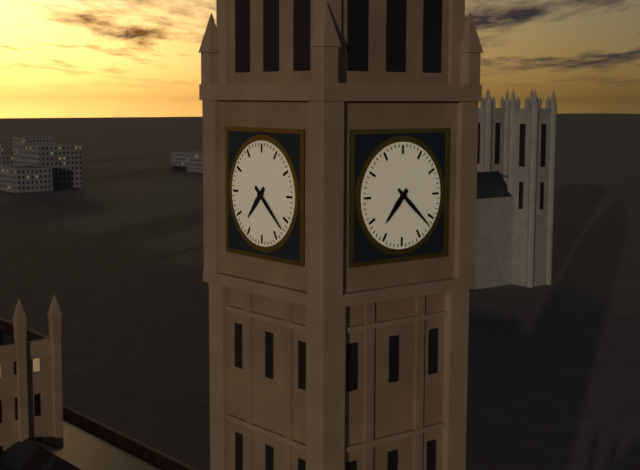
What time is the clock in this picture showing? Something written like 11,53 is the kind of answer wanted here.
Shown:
7,22
